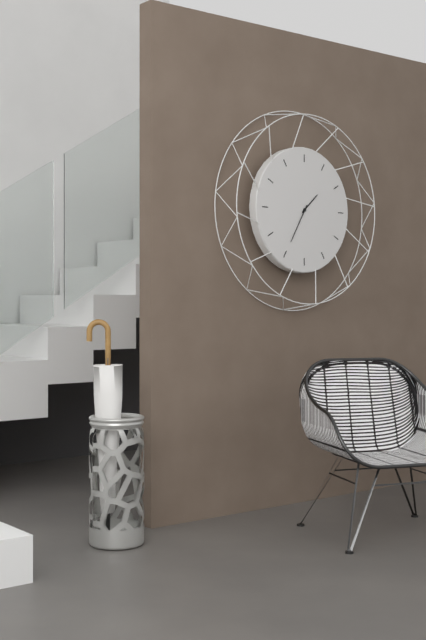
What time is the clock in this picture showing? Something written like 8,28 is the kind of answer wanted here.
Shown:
1,35
